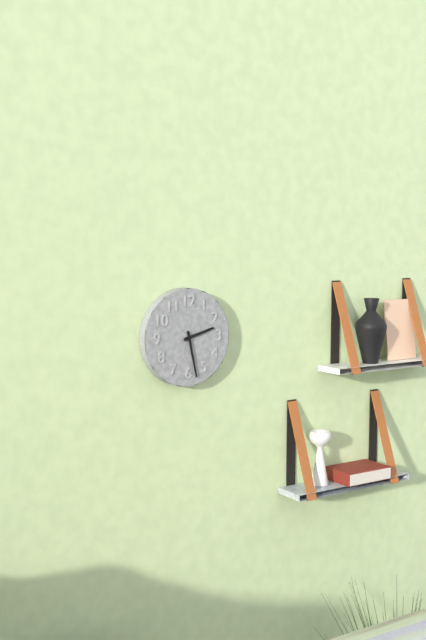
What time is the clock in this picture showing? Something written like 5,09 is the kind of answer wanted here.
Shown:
2,28
